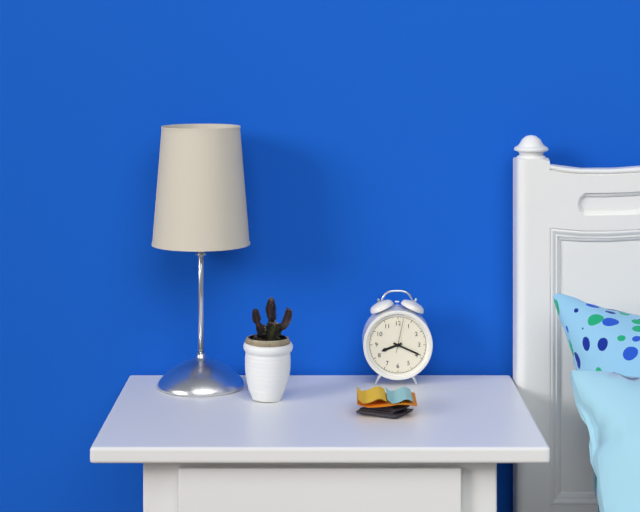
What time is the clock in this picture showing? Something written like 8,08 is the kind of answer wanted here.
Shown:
8,19
